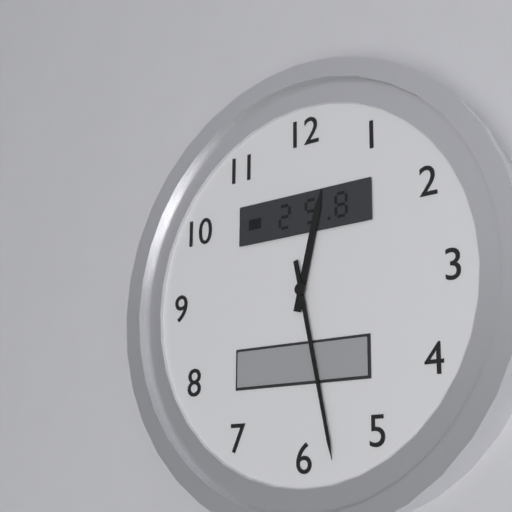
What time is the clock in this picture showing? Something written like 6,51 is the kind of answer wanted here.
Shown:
12,28
